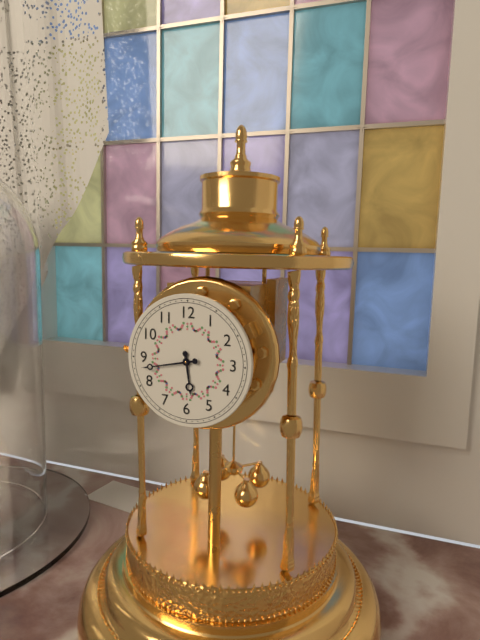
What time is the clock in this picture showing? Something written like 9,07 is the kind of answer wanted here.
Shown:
5,43
